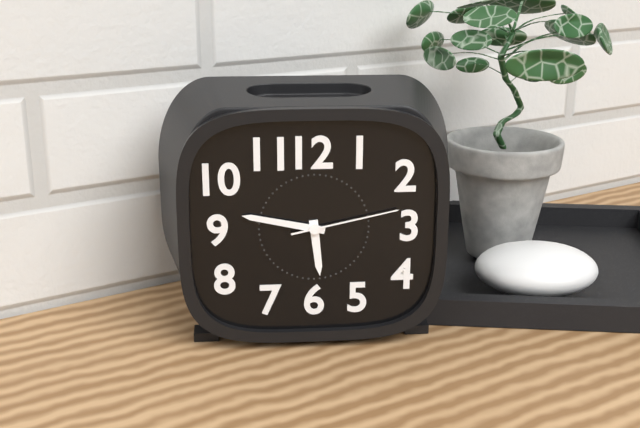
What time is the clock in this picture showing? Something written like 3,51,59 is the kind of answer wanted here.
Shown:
5,47,13
